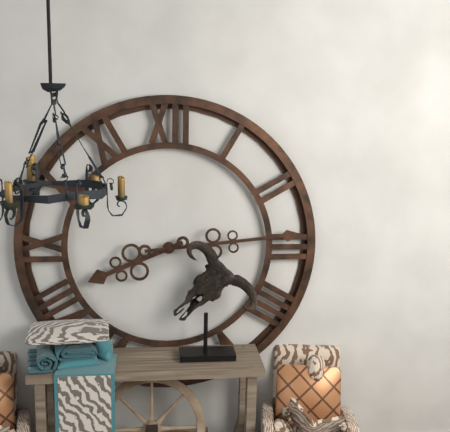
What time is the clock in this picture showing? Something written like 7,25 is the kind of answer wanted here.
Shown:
8,14
